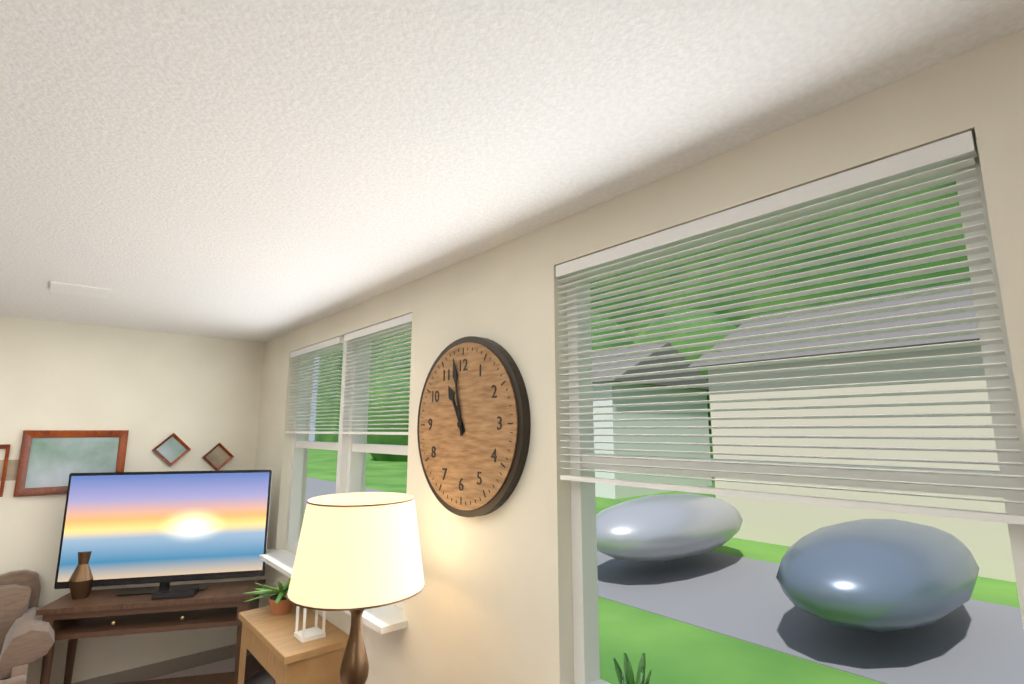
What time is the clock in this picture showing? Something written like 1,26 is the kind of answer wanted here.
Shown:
10,58
